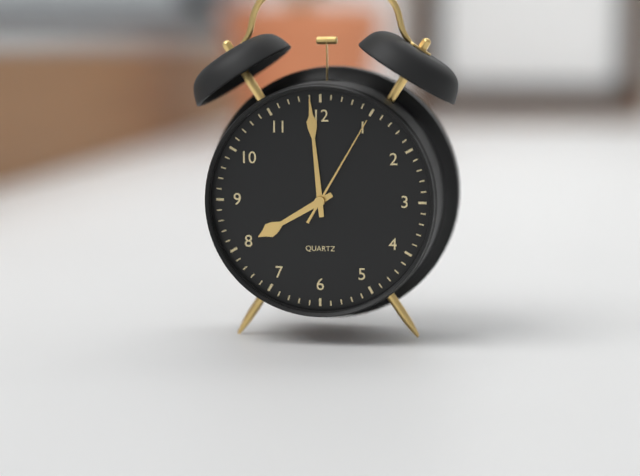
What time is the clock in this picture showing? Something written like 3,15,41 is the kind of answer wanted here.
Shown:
7,59,05
